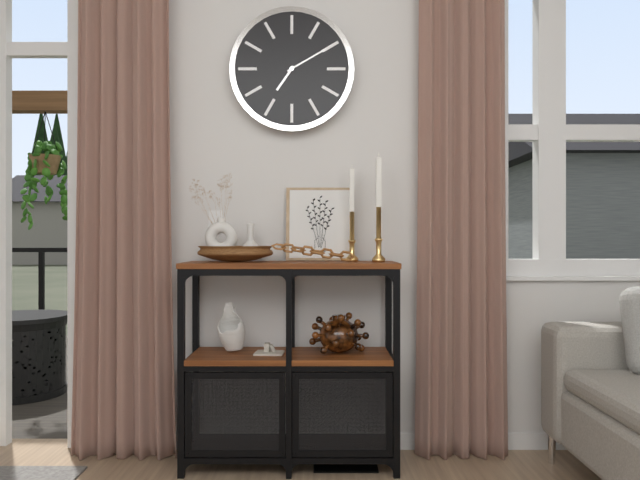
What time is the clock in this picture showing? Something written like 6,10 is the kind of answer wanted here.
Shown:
7,10
